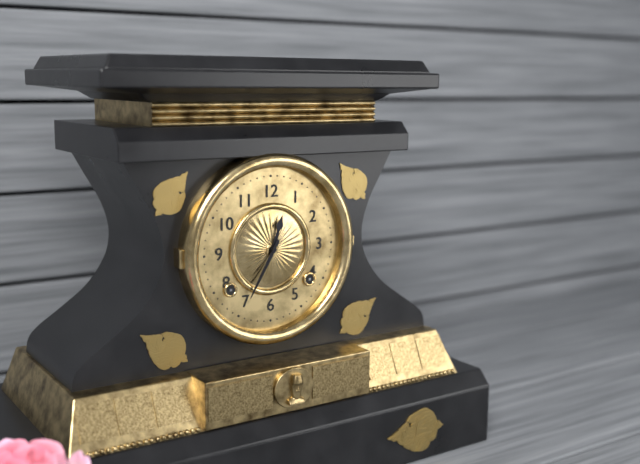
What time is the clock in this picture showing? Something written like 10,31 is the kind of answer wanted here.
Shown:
12,35
